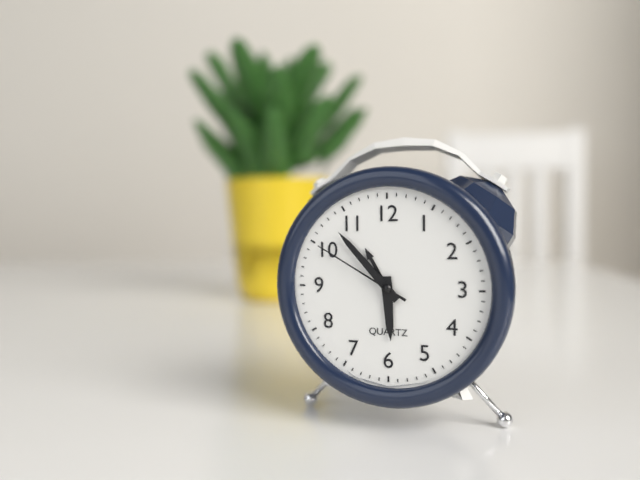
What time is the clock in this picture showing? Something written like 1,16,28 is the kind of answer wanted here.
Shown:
5,53,50
